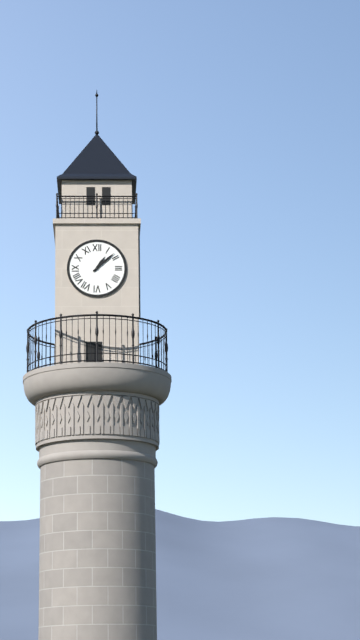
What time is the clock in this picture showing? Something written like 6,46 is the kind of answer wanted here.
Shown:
1,08
